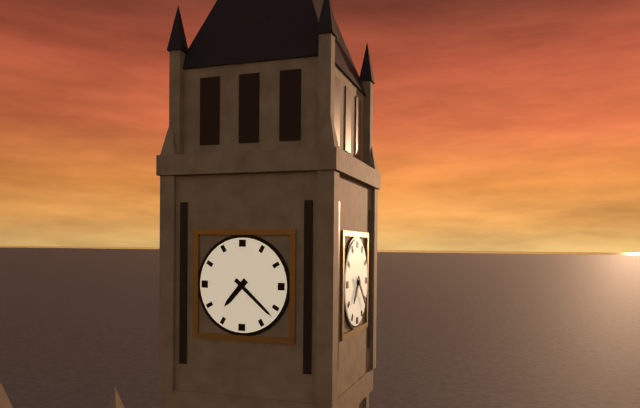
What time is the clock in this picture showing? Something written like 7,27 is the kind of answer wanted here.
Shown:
7,22
